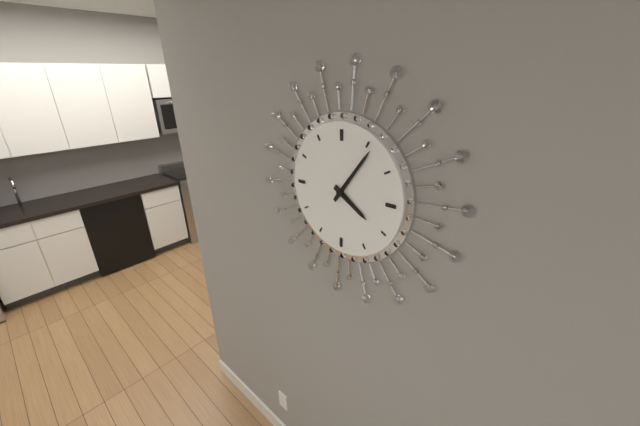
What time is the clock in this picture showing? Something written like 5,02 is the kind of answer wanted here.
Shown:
4,06
